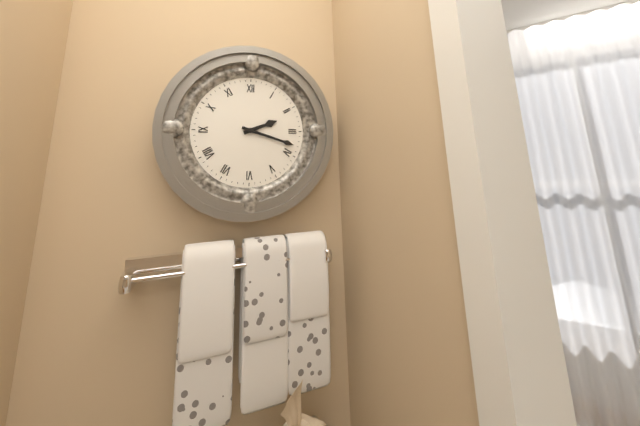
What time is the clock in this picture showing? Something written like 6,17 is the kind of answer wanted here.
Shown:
2,18
